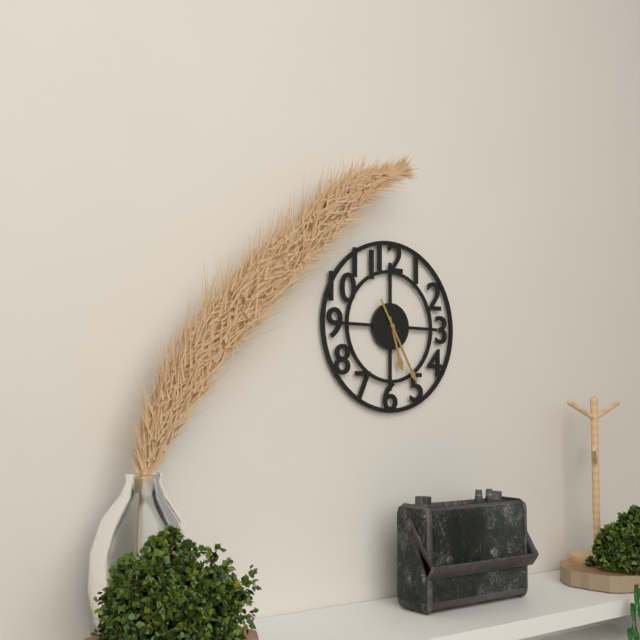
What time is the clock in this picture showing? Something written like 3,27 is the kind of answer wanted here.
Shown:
5,25
